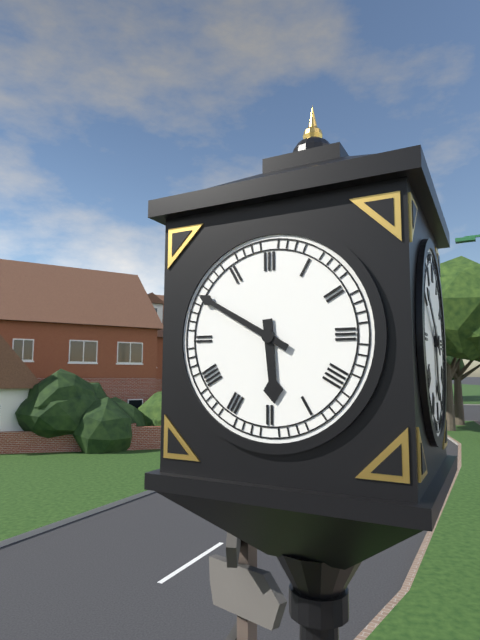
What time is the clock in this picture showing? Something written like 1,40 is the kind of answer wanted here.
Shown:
5,50
